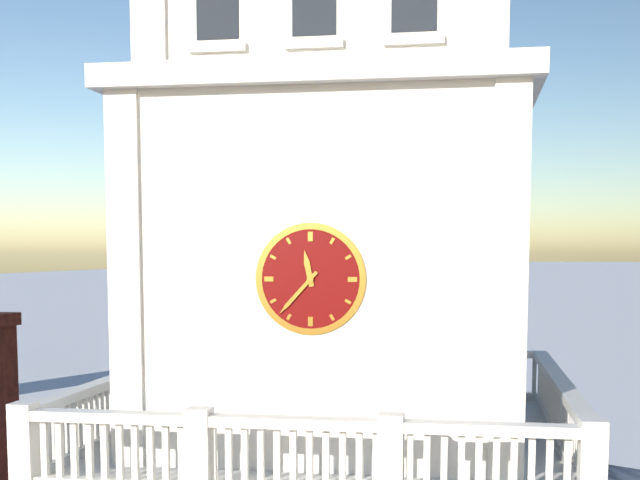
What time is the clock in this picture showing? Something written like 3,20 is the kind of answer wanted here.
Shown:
11,37
